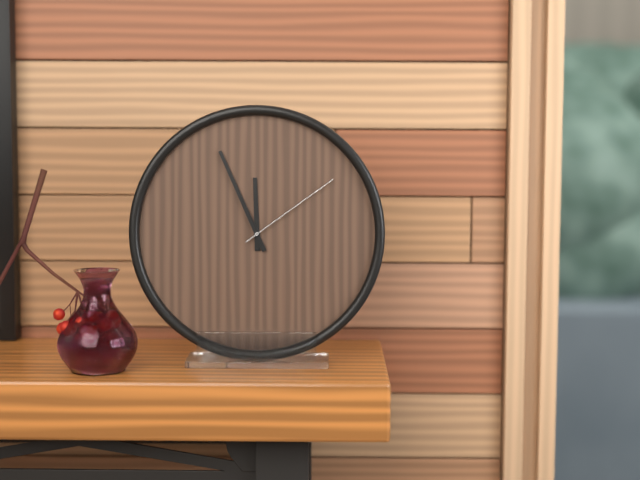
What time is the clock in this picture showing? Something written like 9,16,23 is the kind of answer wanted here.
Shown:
11,56,09
